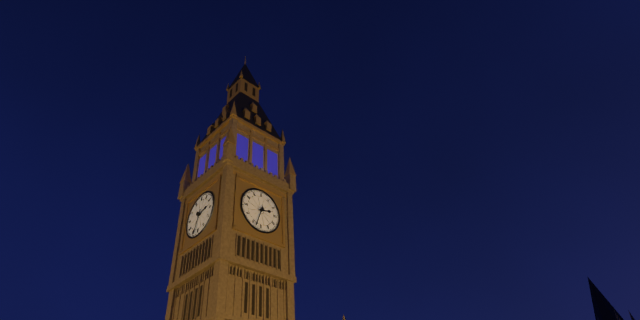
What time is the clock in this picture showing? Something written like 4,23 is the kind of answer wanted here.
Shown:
2,33
